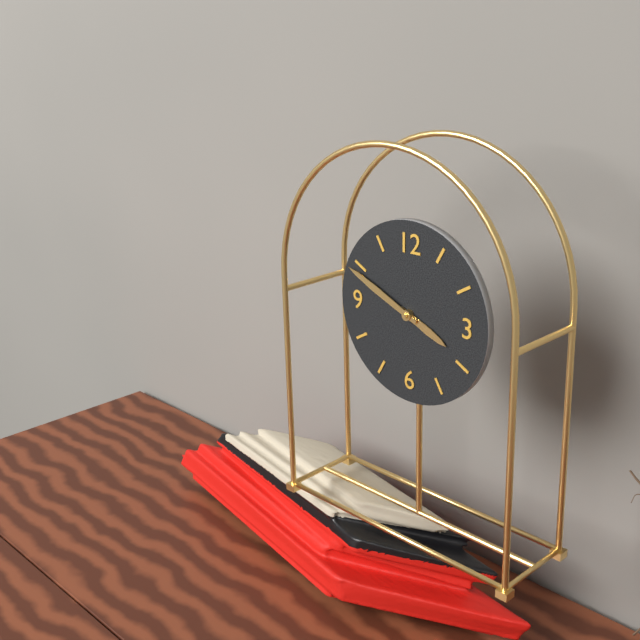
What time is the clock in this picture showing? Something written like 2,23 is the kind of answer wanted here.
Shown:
3,49
